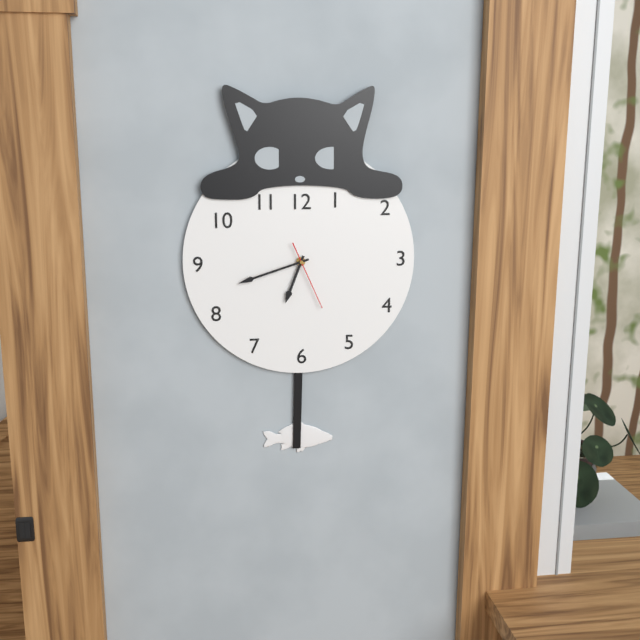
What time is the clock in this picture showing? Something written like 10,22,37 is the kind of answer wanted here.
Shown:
6,42,26
